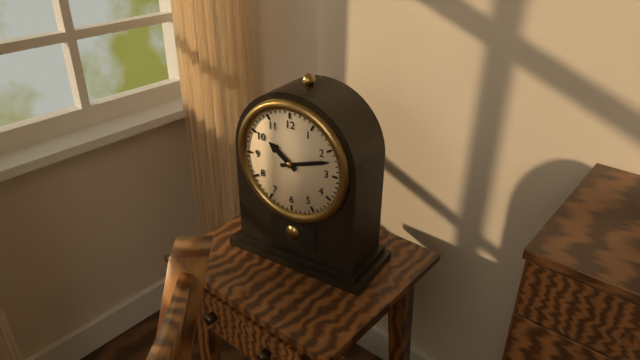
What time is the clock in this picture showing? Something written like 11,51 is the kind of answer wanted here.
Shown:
10,12
